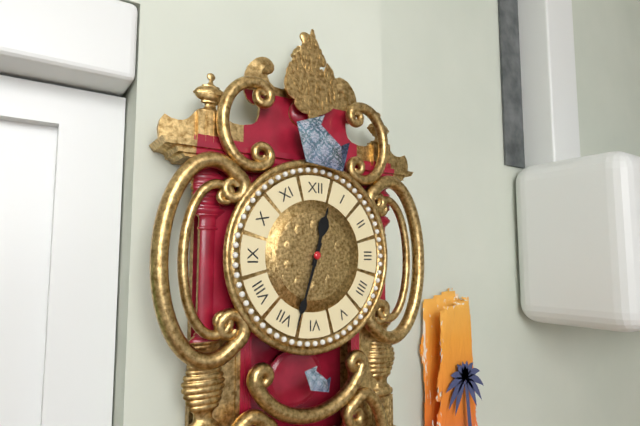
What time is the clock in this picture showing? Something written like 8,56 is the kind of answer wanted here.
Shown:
12,33
